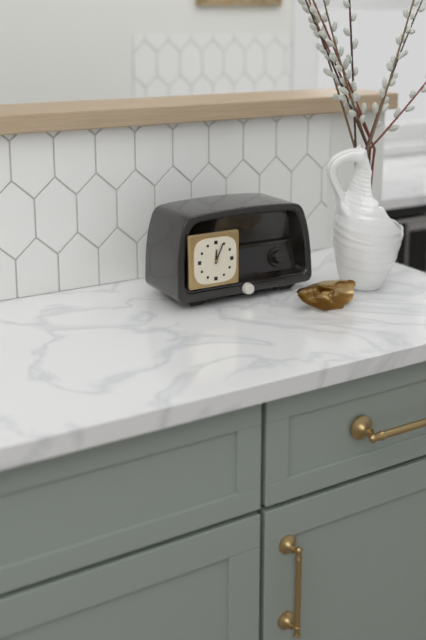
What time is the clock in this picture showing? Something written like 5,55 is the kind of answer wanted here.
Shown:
12,04
